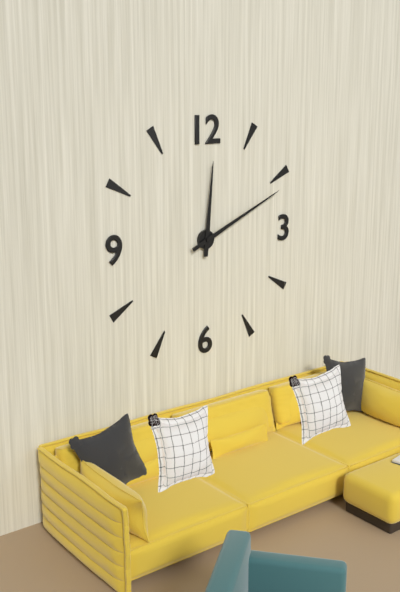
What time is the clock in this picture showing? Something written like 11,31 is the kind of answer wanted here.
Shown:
12,11
